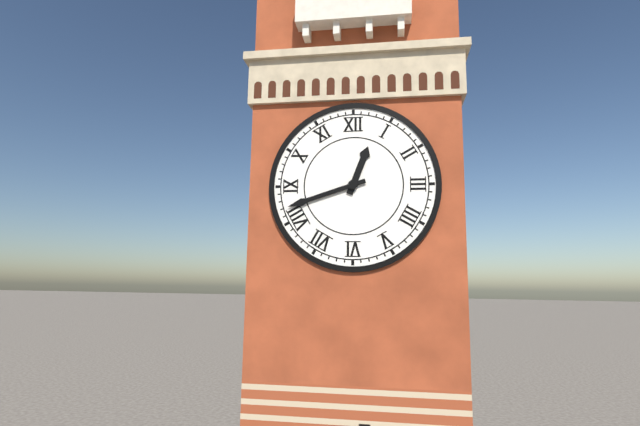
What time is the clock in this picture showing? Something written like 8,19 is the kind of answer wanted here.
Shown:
12,42
